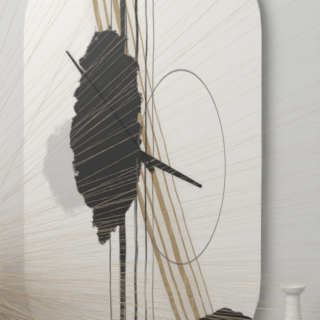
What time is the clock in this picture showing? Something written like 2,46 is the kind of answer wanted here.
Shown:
3,54
